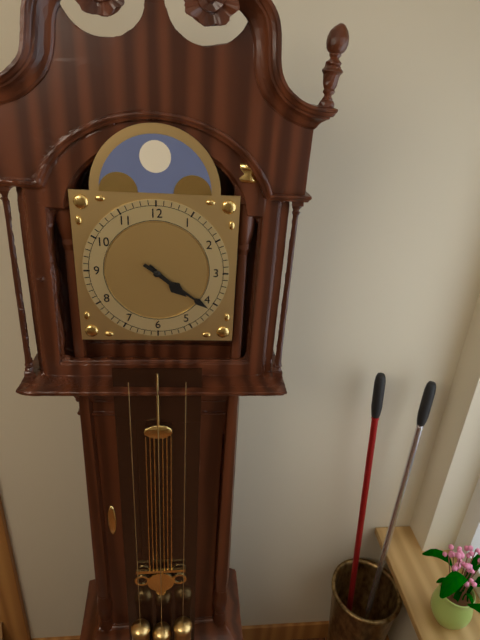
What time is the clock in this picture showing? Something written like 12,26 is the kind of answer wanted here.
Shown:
4,21
